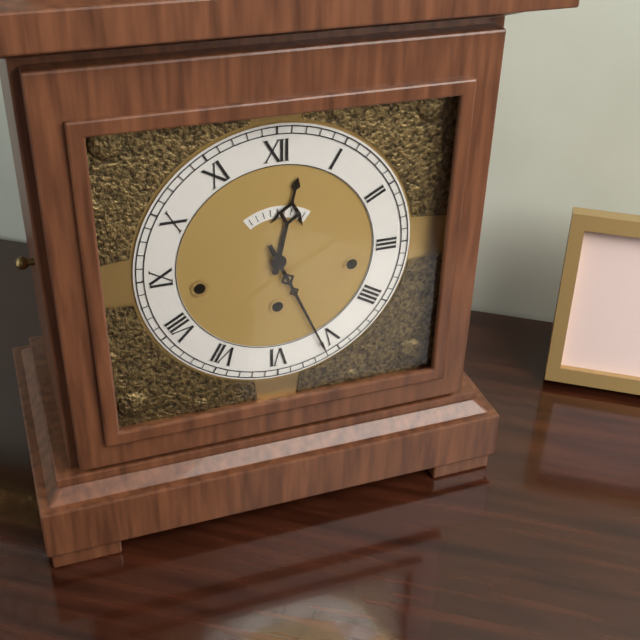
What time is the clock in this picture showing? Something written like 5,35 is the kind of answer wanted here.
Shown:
12,26
